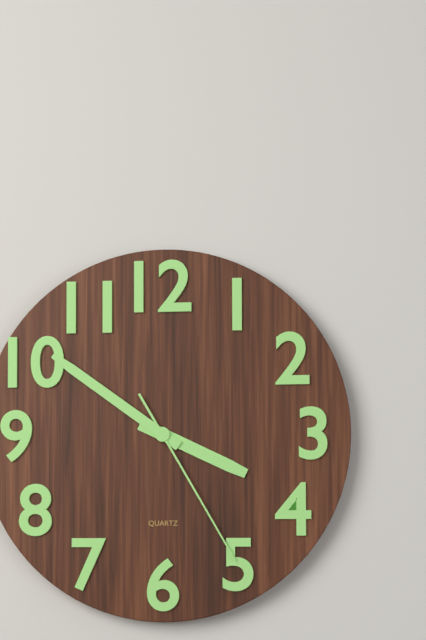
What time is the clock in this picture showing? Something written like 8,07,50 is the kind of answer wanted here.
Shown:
3,51,25
